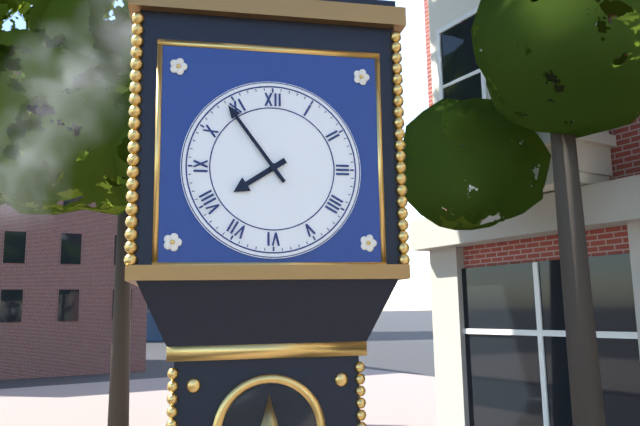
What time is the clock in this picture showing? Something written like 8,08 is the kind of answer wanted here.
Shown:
7,54
